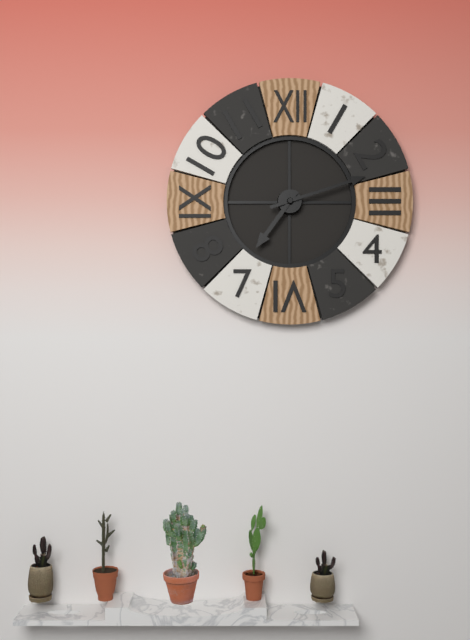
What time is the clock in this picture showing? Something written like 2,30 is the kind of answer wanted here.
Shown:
7,12
